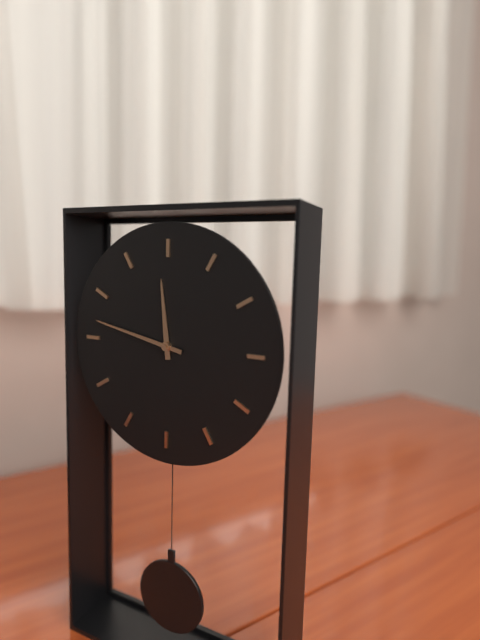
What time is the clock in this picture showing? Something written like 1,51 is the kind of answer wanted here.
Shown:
11,47
